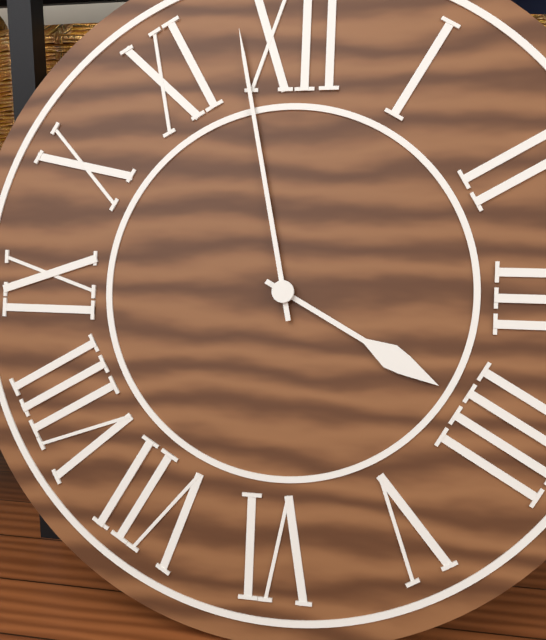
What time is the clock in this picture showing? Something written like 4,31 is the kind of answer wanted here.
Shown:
3,58
